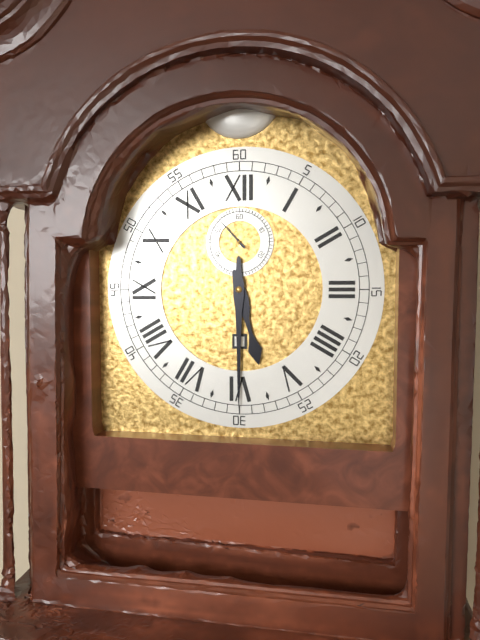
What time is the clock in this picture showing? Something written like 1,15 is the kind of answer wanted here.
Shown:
5,30
